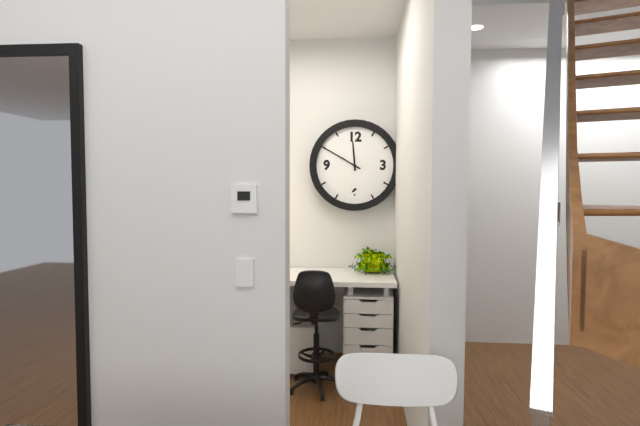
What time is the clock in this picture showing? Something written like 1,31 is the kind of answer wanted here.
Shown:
11,50
